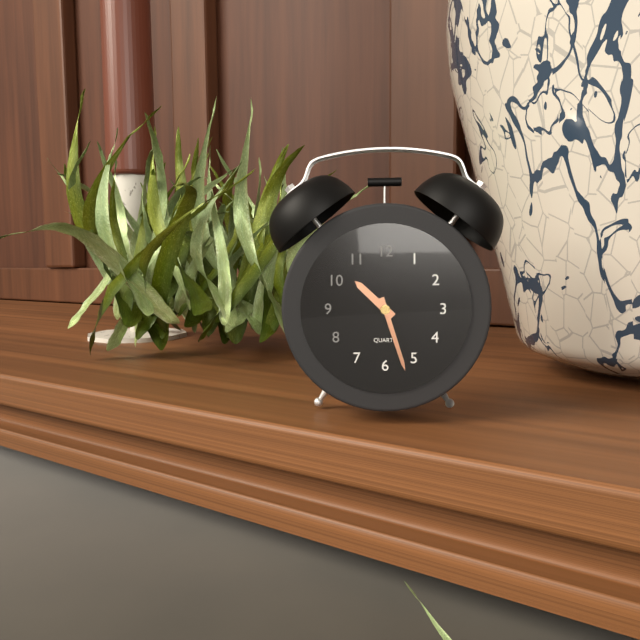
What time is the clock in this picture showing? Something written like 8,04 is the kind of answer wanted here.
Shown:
10,27
